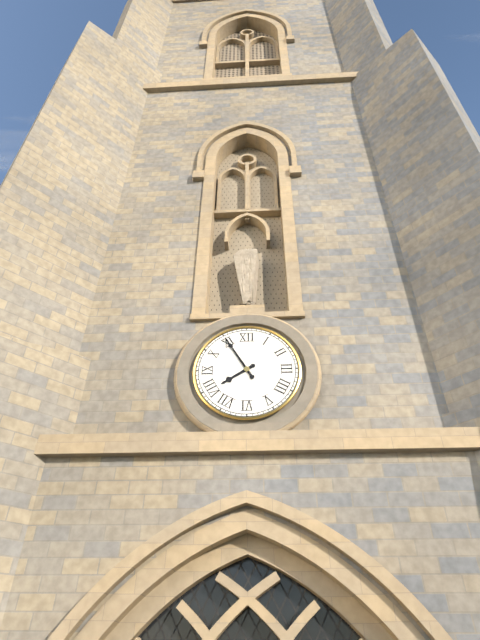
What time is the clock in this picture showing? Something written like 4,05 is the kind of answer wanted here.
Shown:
7,55
